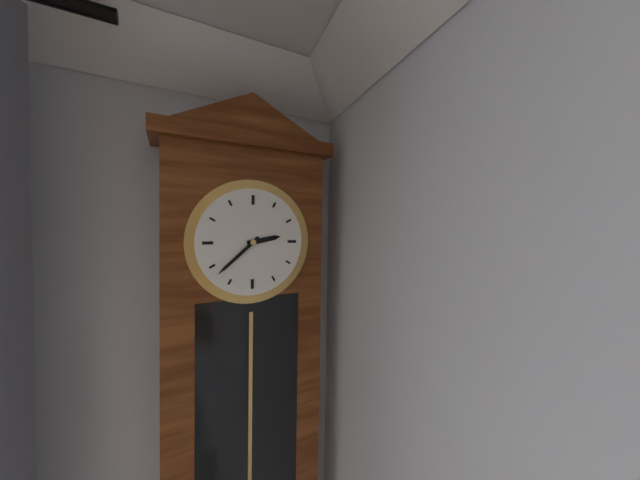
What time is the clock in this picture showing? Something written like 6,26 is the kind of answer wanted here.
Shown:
2,38
